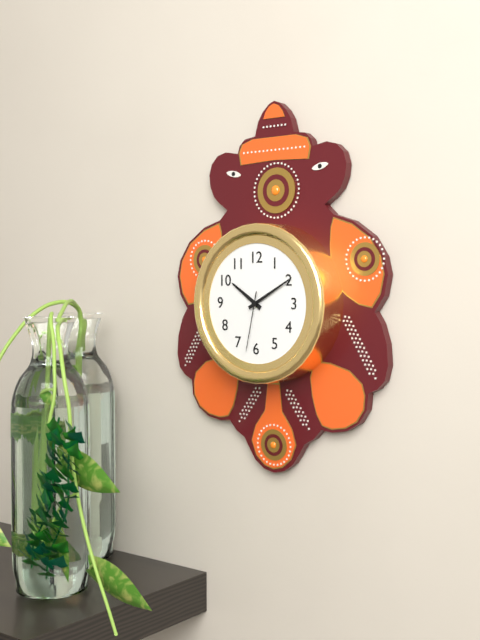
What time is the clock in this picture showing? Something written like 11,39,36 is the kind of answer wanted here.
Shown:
10,10,32
